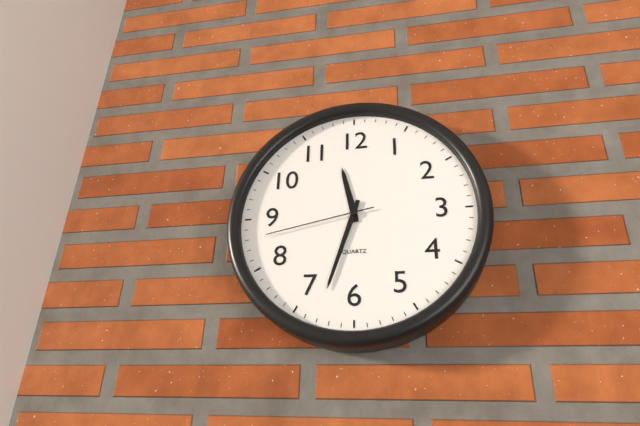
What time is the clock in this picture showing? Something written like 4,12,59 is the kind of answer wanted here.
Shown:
11,33,43
